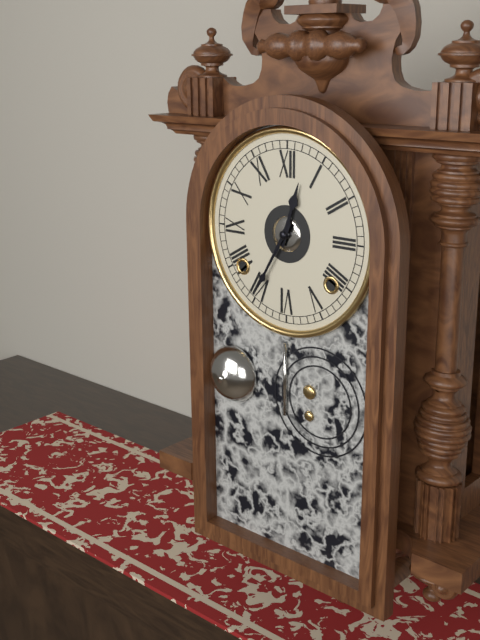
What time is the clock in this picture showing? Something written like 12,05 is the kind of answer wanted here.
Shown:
12,35
